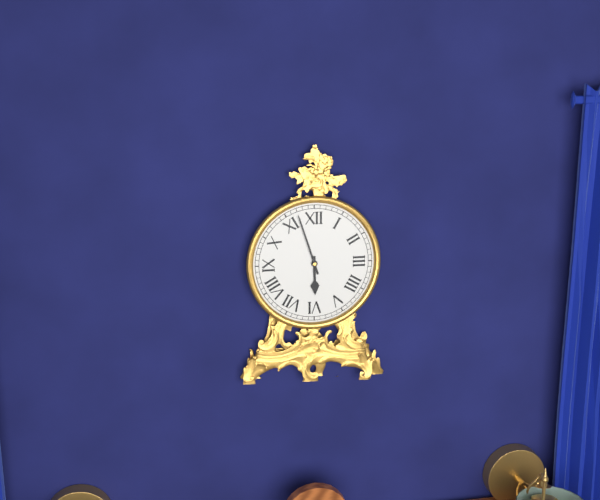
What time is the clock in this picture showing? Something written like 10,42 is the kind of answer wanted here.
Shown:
5,57
